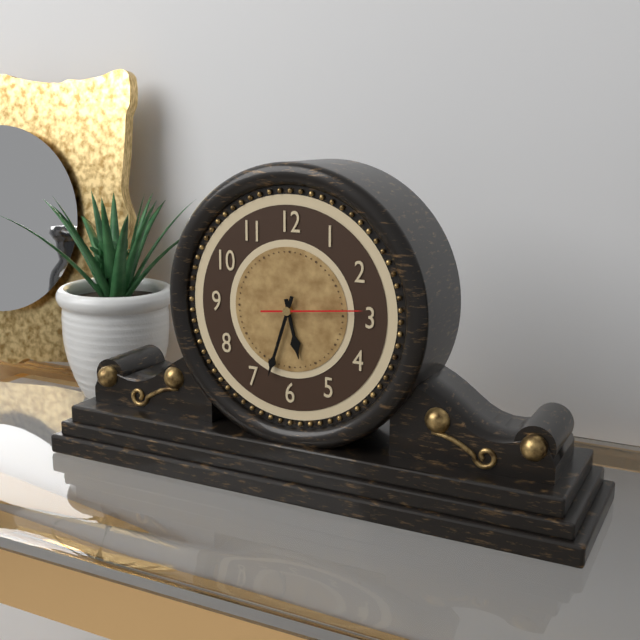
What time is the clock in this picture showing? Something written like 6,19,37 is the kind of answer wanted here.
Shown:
5,33,14
